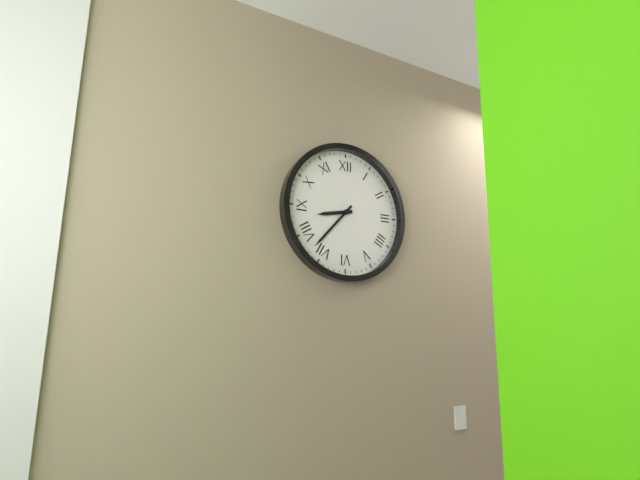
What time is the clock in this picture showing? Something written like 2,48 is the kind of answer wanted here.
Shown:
8,37
